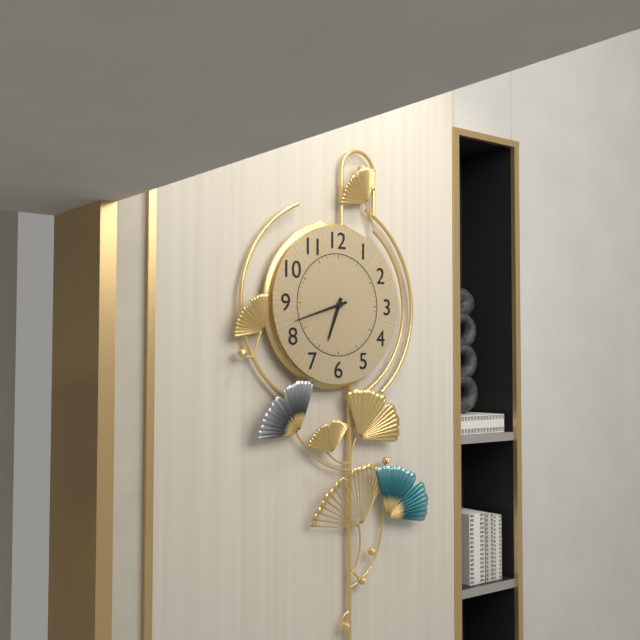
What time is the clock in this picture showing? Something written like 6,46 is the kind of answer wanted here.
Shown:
6,42
